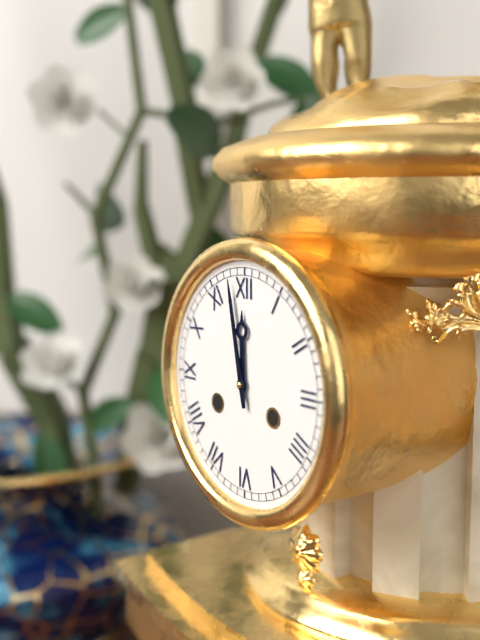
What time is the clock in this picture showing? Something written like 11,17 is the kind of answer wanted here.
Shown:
11,58
